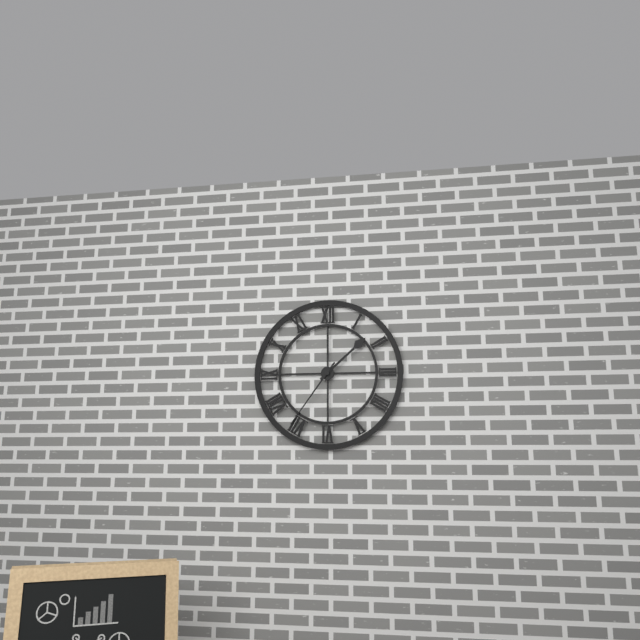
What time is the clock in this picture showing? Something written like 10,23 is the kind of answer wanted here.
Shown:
1,36
